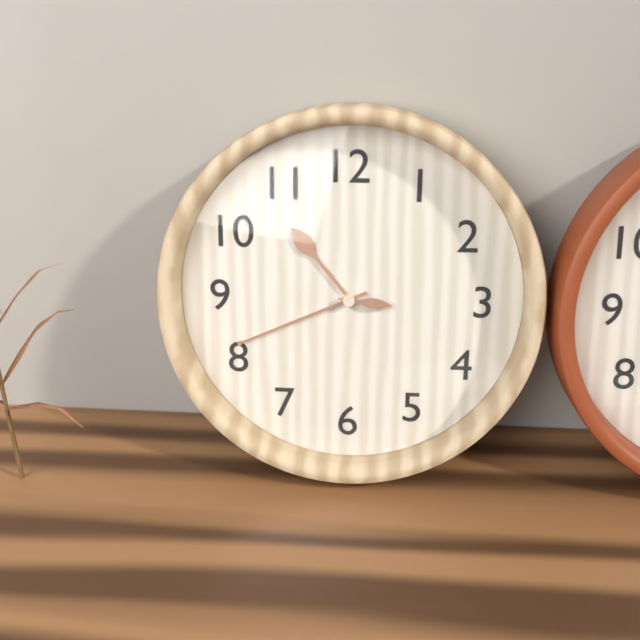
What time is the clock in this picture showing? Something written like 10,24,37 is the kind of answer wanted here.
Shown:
10,41,16
